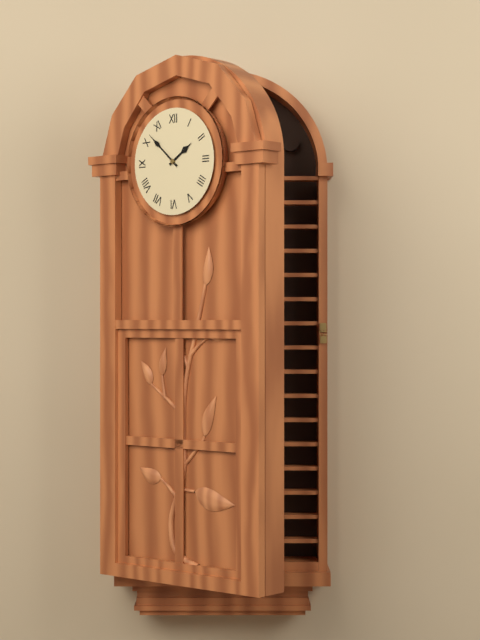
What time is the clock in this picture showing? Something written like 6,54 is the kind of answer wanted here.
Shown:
1,52
